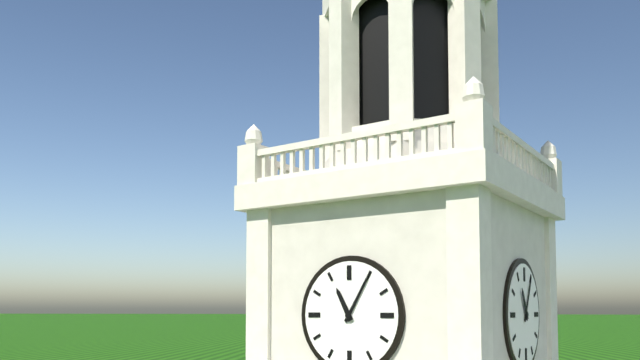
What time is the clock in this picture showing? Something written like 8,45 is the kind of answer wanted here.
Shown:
11,05
